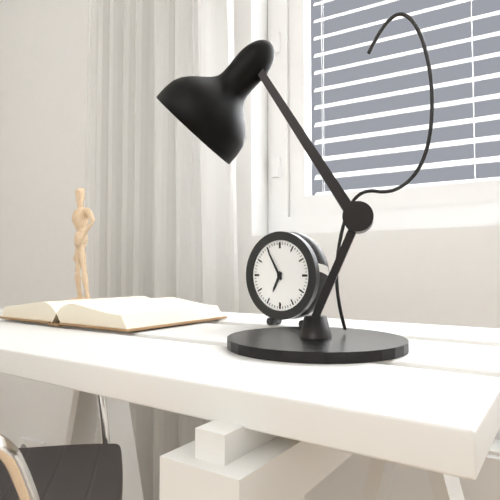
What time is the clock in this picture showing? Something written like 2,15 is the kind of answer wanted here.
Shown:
6,55
